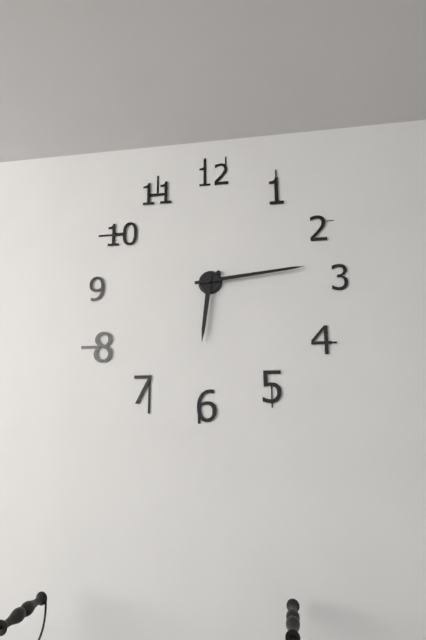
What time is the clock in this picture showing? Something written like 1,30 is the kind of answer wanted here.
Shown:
6,14
